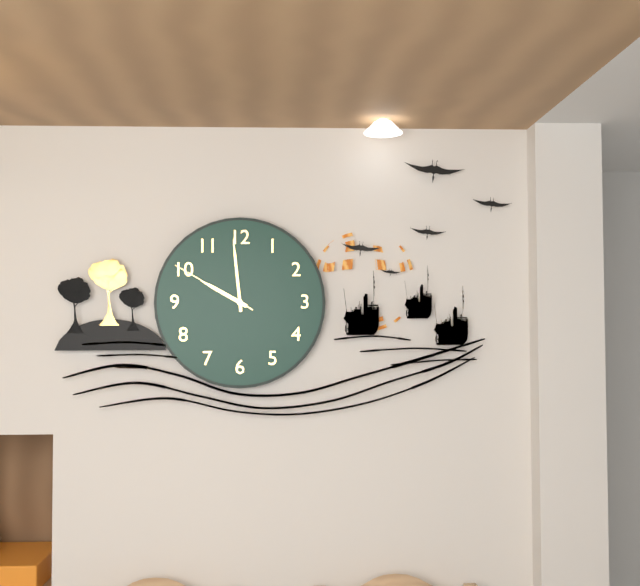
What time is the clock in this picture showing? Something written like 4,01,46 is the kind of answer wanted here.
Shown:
9,59,50
